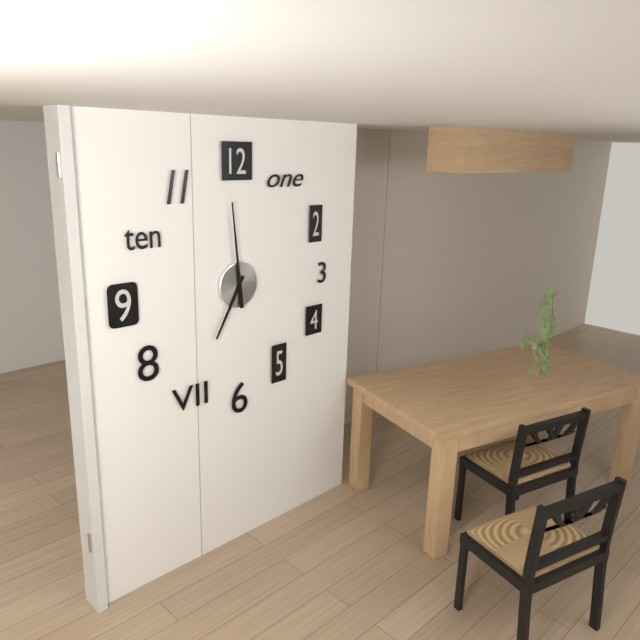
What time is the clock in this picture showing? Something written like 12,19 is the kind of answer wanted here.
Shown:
6,59
